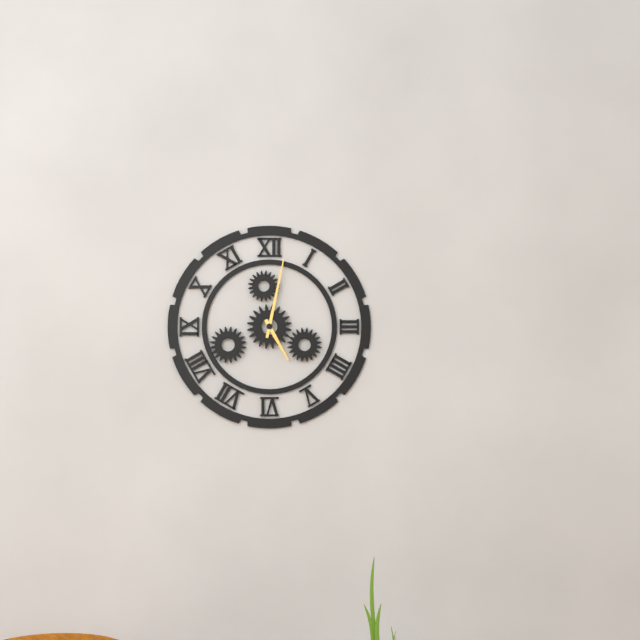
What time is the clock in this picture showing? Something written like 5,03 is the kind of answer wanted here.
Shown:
5,02
